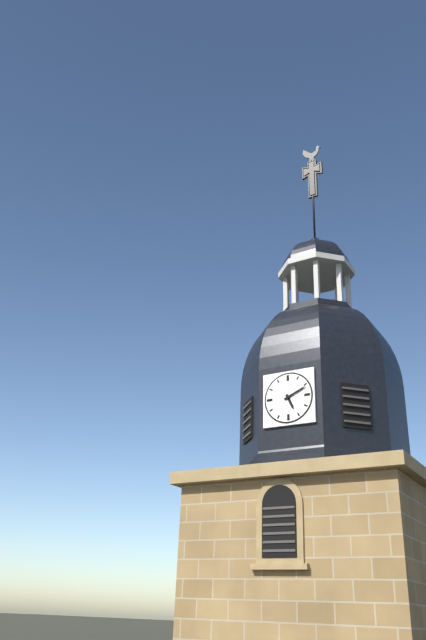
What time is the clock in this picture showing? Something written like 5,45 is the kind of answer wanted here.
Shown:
5,11
